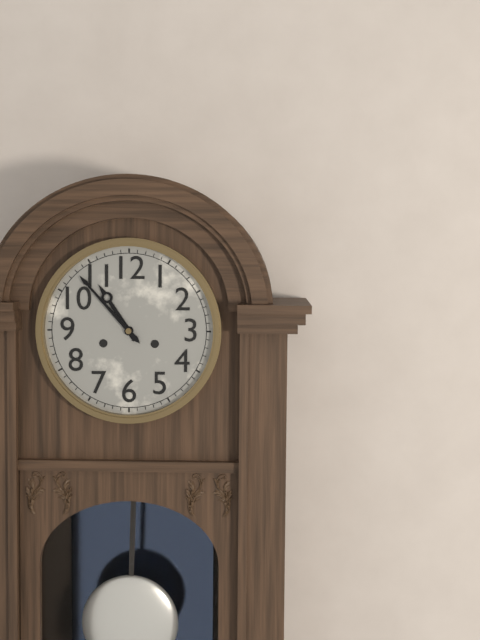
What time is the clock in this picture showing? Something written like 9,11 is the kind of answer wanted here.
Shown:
10,53
